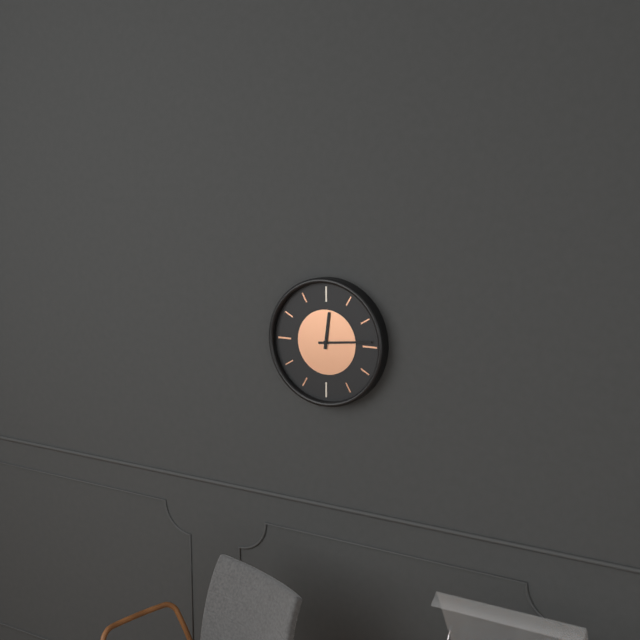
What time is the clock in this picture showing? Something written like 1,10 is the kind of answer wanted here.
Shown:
12,14
